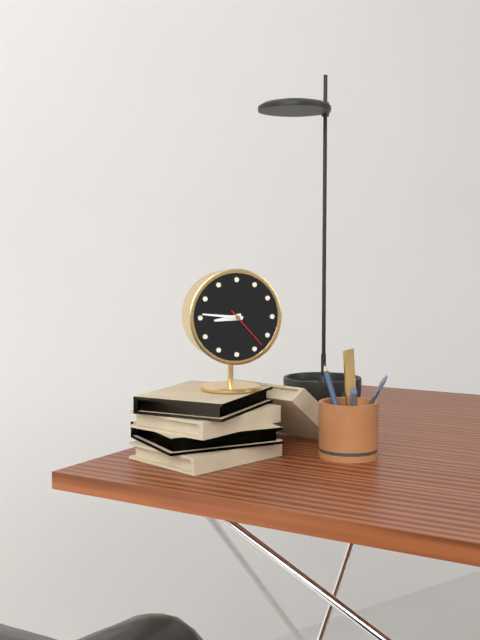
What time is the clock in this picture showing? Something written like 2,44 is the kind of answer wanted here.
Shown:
8,46
